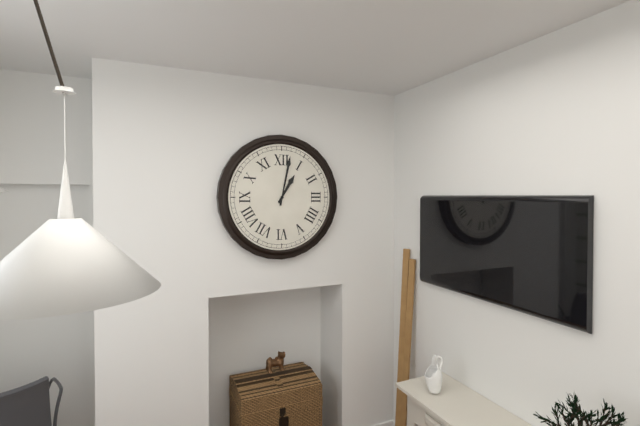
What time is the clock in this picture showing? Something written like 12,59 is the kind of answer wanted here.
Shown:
1,02
